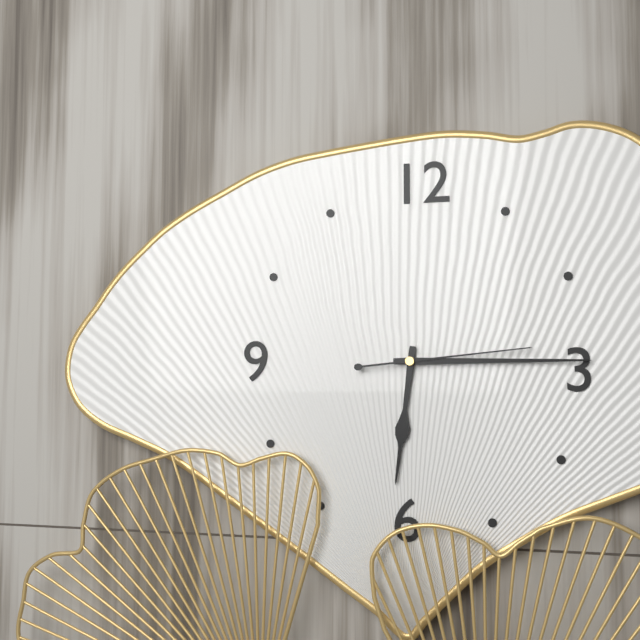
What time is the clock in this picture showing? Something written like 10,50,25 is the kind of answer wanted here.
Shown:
6,15,14
